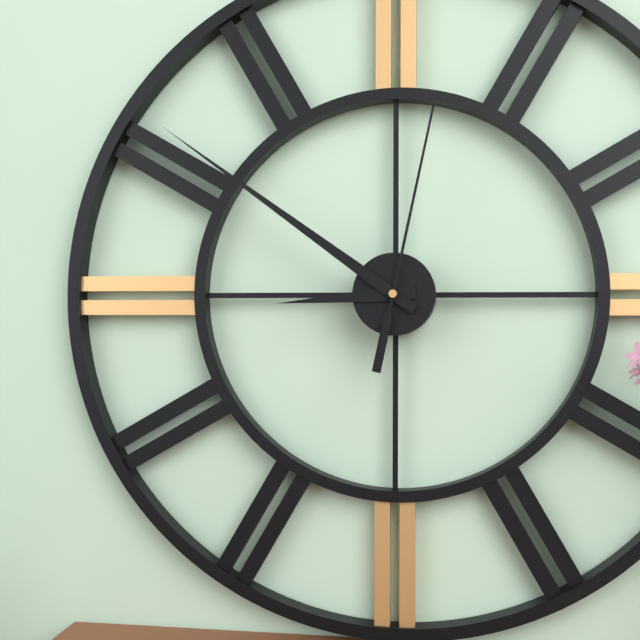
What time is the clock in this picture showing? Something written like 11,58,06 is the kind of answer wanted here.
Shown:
8,51,02
